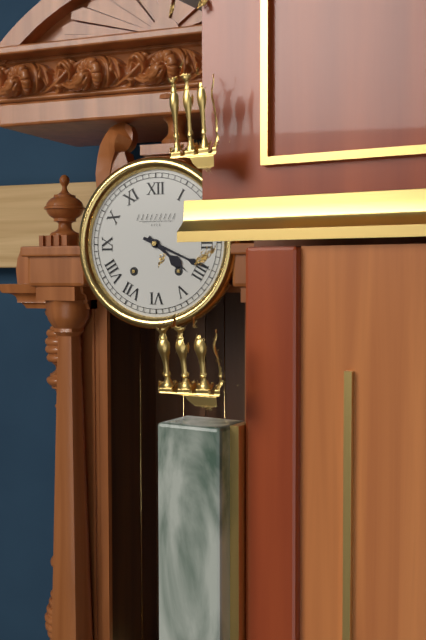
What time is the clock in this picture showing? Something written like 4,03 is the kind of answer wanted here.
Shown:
4,19
